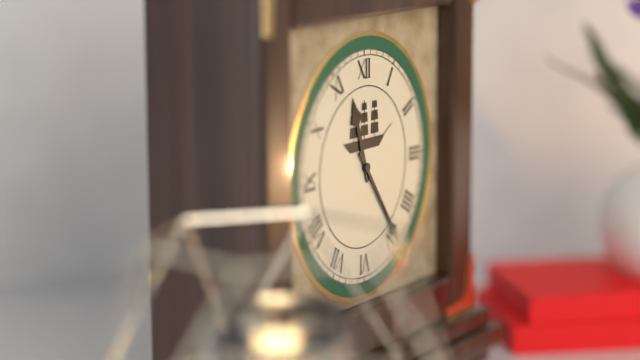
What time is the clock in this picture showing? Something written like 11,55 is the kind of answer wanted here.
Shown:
11,24
